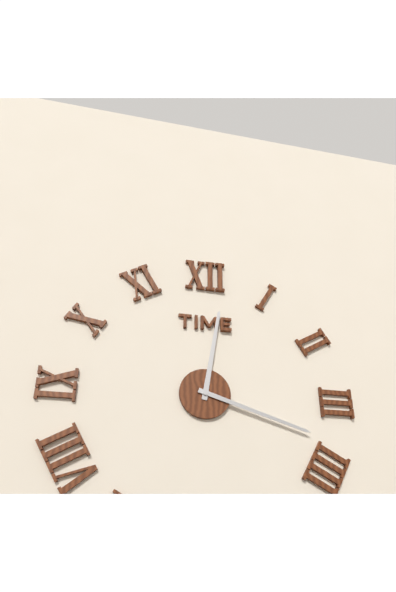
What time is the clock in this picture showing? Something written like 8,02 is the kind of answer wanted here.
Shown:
12,18
